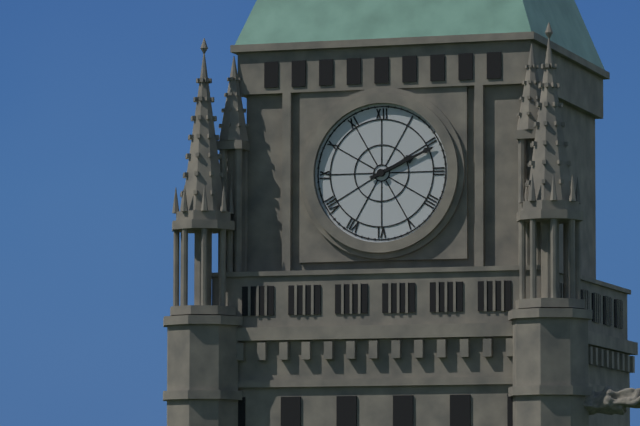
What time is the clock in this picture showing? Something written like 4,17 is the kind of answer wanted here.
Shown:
2,11
